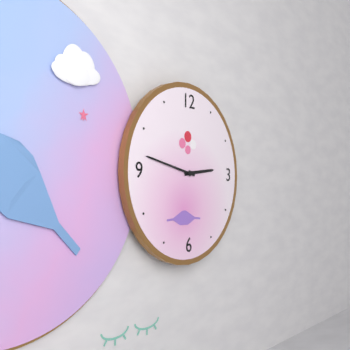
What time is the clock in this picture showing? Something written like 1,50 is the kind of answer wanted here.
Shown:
2,47
